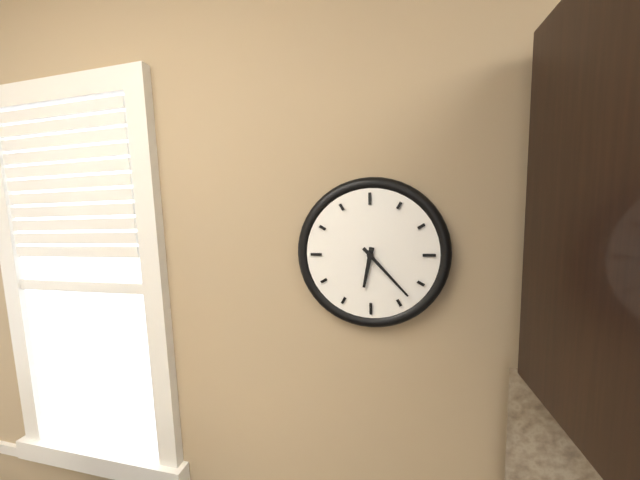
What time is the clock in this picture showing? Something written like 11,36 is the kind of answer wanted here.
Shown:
6,23
